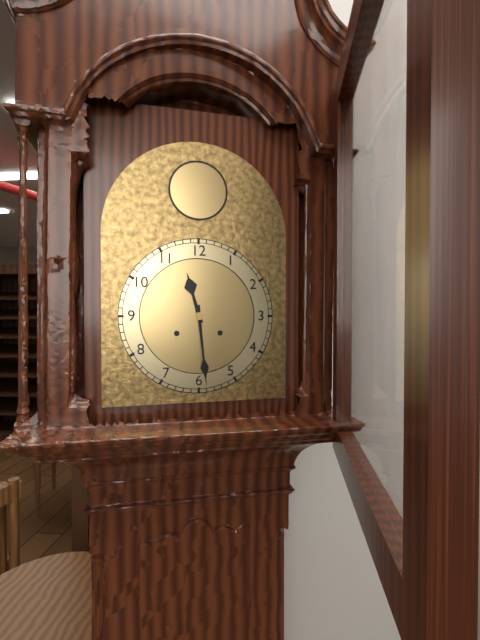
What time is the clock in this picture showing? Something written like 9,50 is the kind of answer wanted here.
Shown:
11,29
